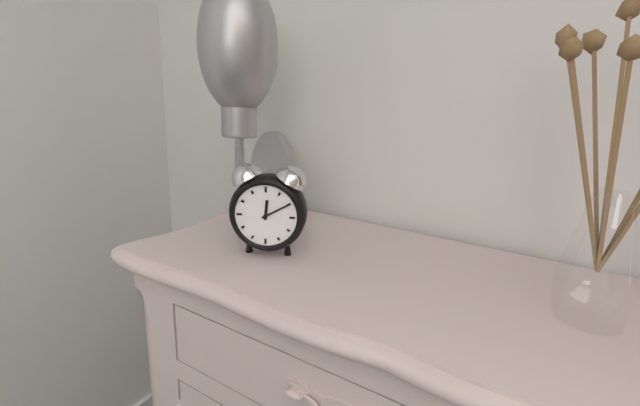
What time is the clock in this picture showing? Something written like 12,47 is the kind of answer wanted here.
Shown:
12,10
